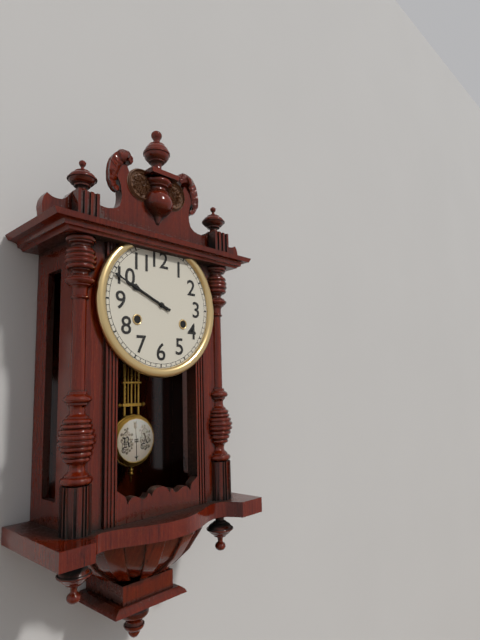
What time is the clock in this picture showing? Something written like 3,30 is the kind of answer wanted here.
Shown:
9,49
